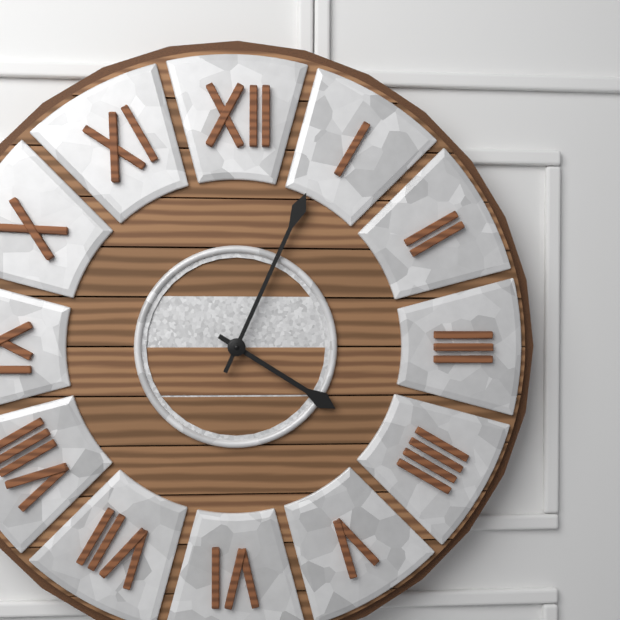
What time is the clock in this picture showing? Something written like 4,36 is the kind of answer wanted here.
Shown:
4,04
